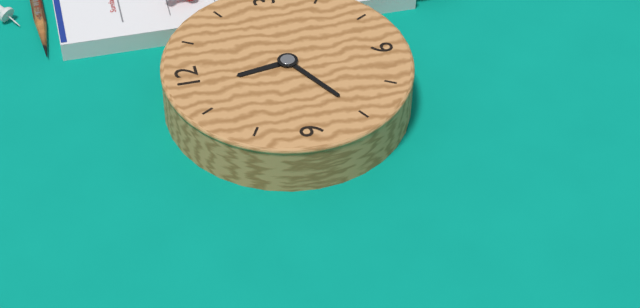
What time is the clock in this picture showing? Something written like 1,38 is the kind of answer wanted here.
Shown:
11,40
